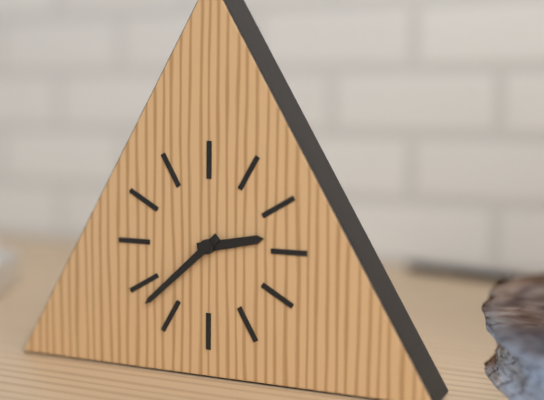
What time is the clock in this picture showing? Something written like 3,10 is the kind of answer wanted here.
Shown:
2,38
